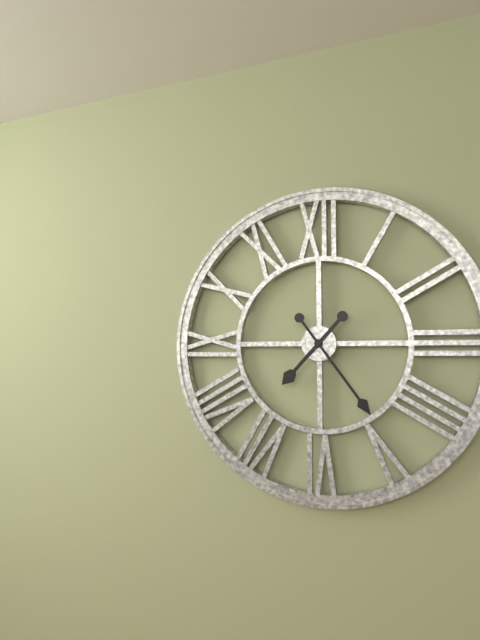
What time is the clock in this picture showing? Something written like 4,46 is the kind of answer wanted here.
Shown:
7,24
